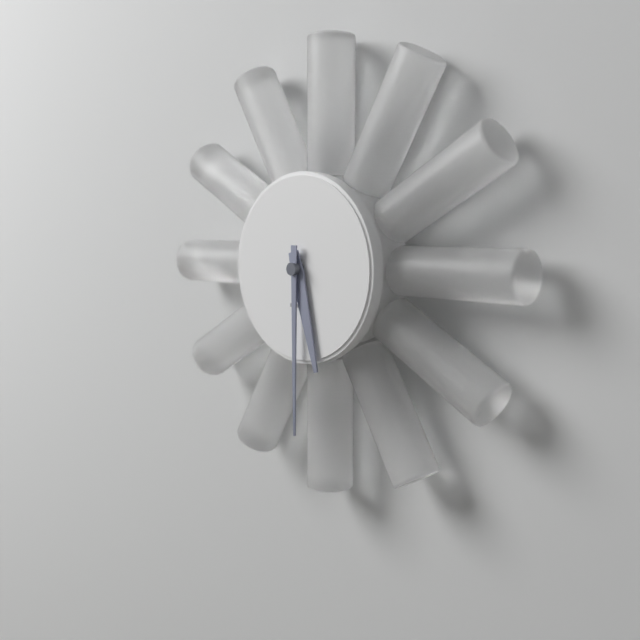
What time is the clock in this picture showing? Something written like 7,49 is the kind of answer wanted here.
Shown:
5,30
